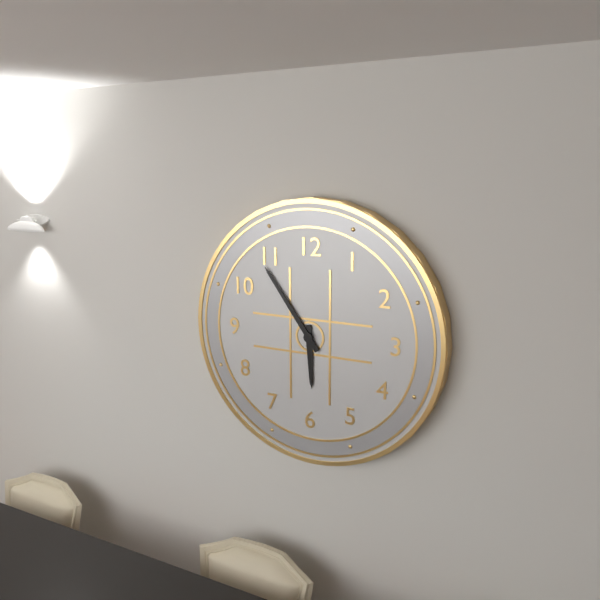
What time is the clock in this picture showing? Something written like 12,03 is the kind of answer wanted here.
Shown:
5,54
